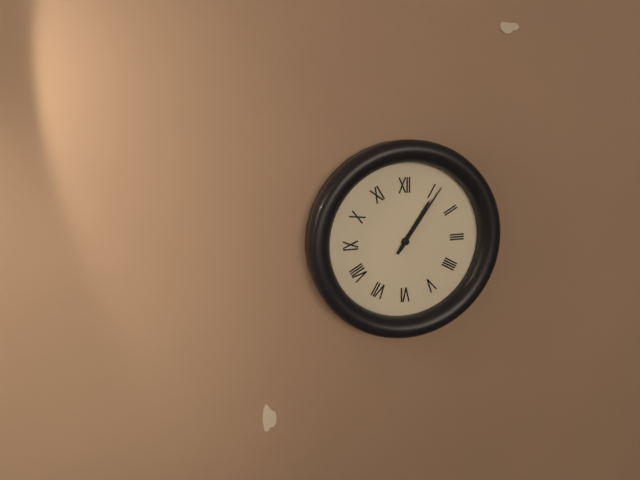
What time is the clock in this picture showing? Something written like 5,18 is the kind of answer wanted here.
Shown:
1,06
